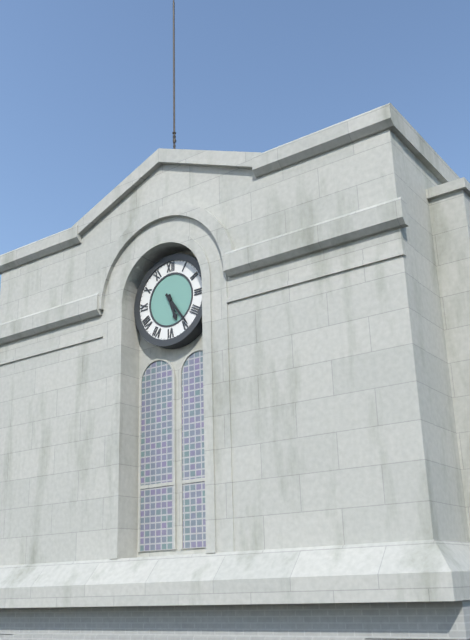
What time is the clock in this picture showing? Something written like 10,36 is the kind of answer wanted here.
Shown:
5,24
